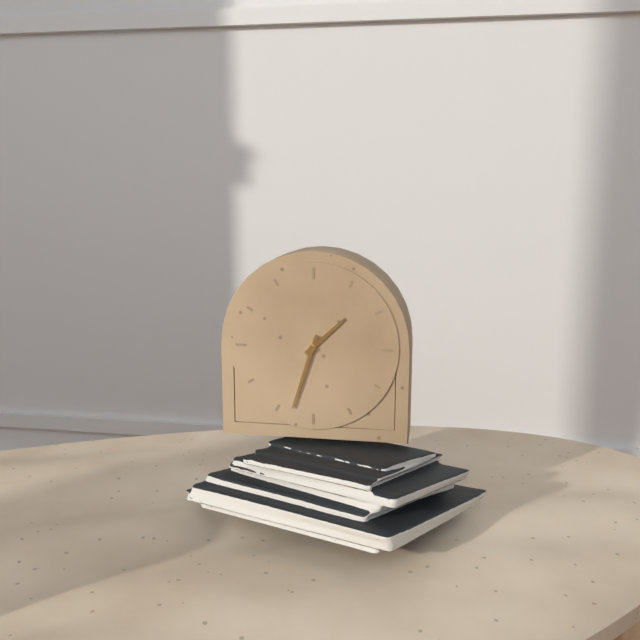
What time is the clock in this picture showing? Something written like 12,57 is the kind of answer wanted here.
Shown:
1,33
